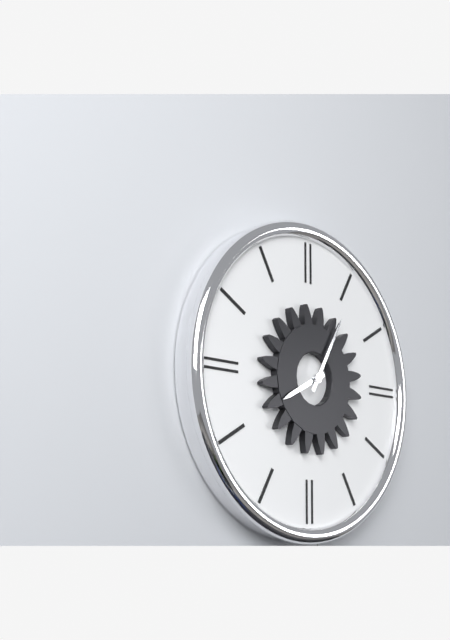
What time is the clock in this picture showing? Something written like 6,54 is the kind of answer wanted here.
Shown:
8,05
